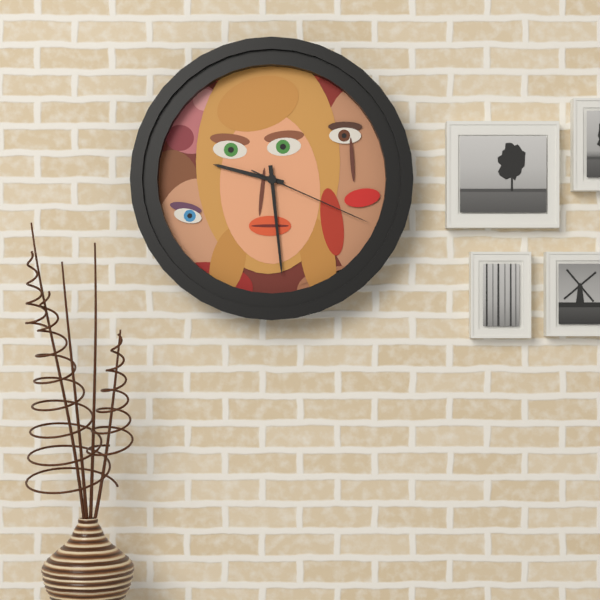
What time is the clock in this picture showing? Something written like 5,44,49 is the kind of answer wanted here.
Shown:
9,29,19
